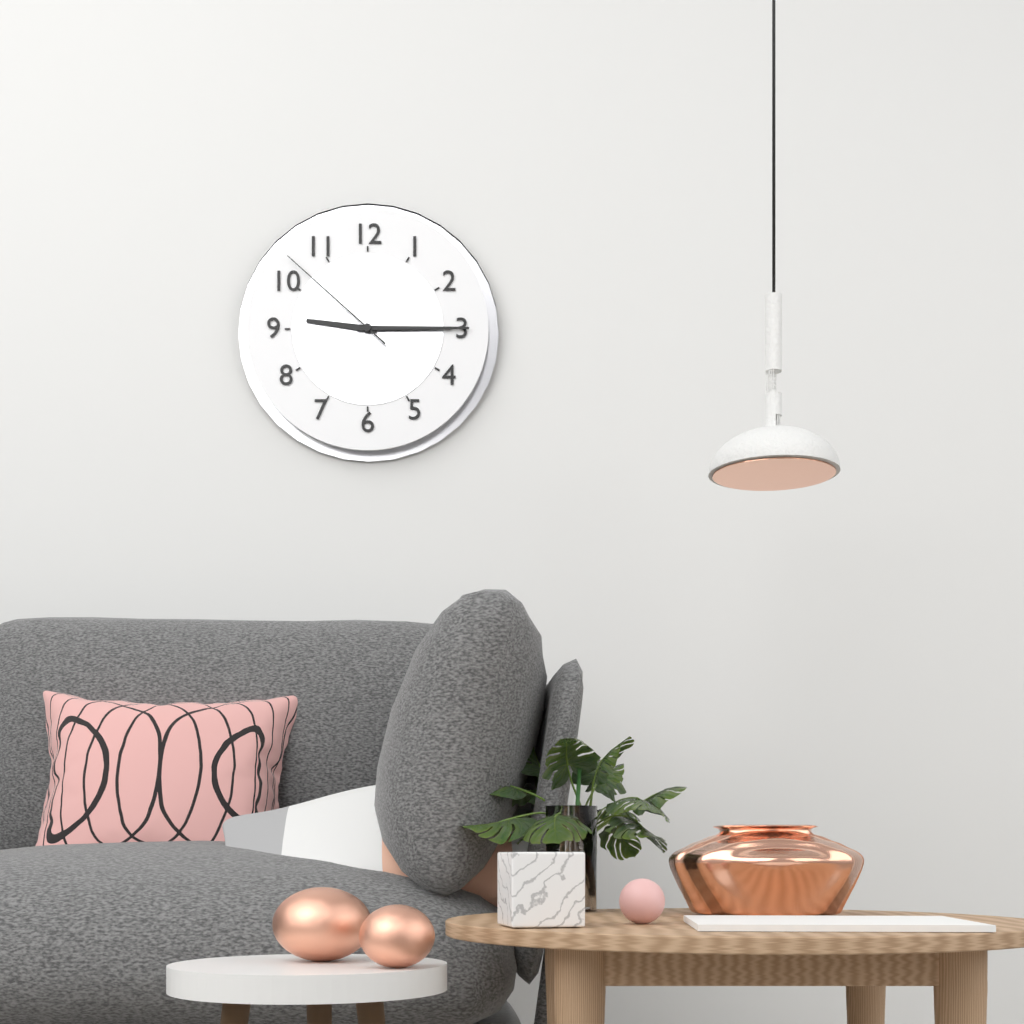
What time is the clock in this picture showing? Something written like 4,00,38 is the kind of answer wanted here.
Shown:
9,15,52
